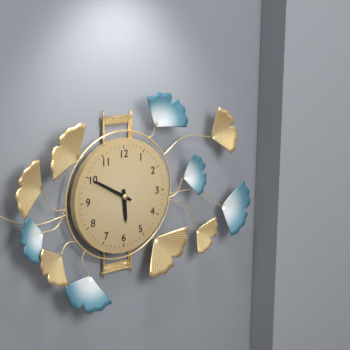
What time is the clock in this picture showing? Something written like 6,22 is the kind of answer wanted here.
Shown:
5,50
